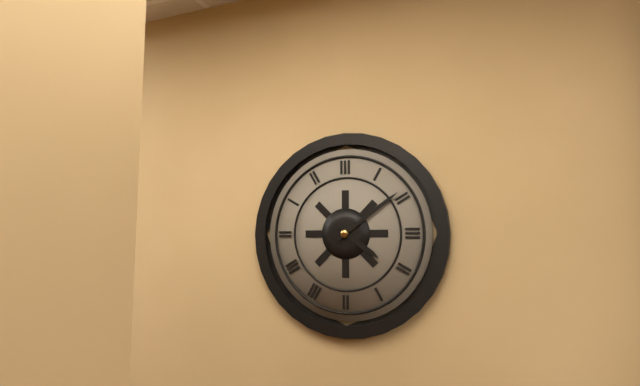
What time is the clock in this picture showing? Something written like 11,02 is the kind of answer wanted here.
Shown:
4,09
